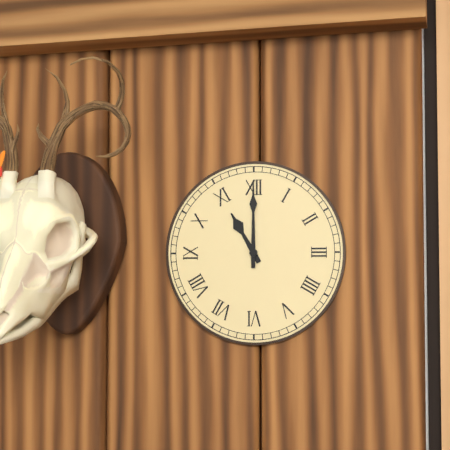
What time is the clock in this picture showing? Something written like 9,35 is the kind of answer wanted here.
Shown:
11,00
